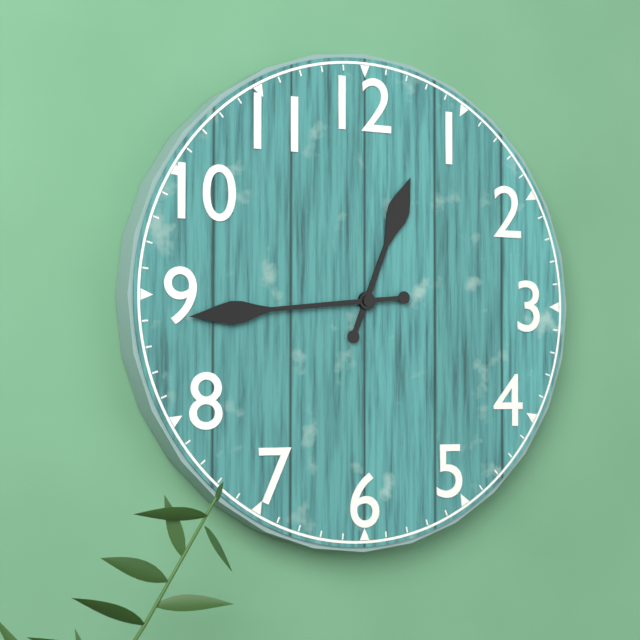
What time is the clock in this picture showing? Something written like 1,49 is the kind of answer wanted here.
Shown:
12,44
